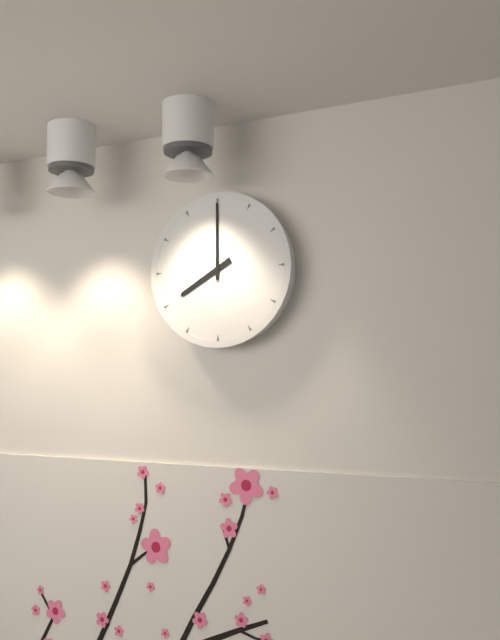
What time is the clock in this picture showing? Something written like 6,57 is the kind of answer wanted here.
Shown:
8,00
